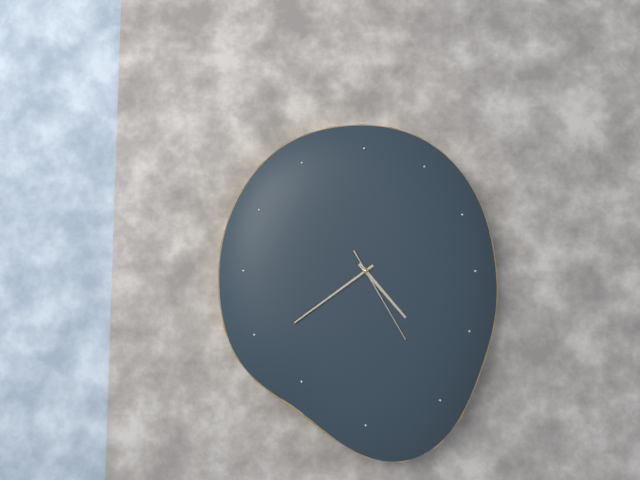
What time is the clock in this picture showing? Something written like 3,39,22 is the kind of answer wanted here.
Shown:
4,39,25
